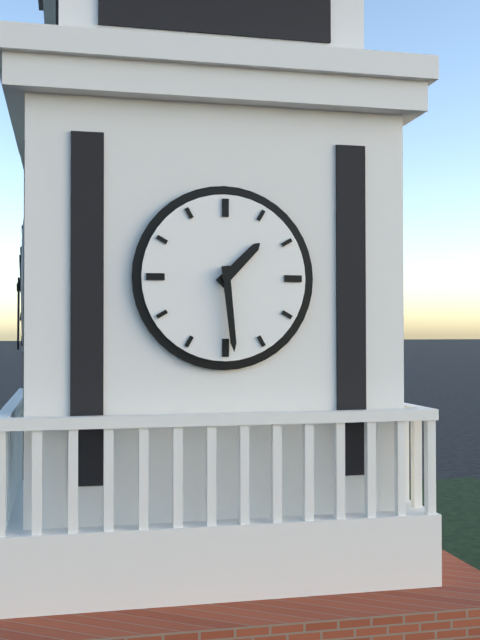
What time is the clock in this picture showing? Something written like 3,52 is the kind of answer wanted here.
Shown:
1,29
